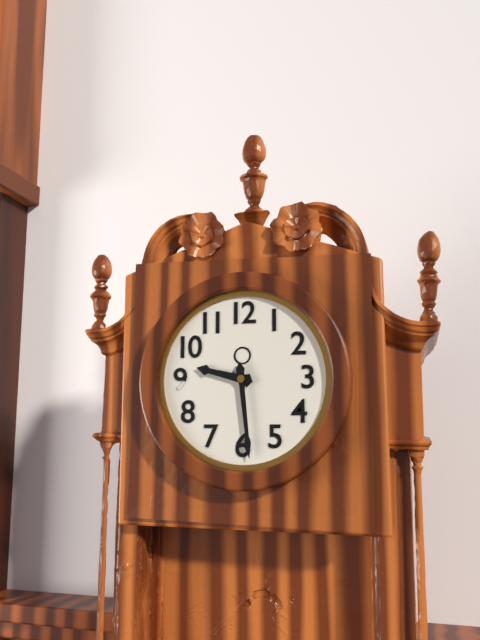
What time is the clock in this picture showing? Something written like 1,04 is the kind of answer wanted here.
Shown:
9,29
